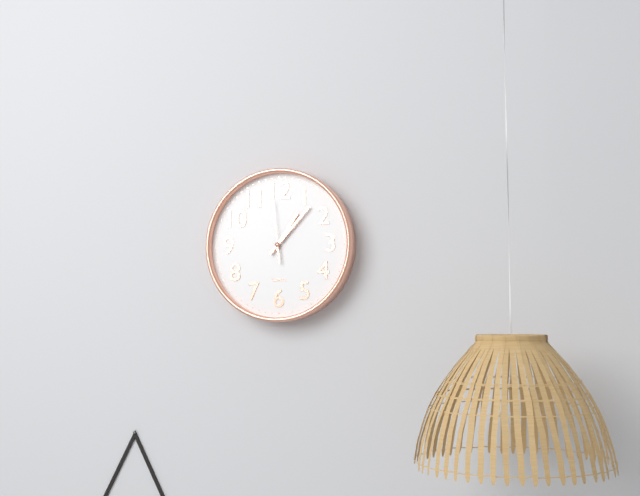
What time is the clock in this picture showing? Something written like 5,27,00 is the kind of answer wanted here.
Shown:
1,07,59
